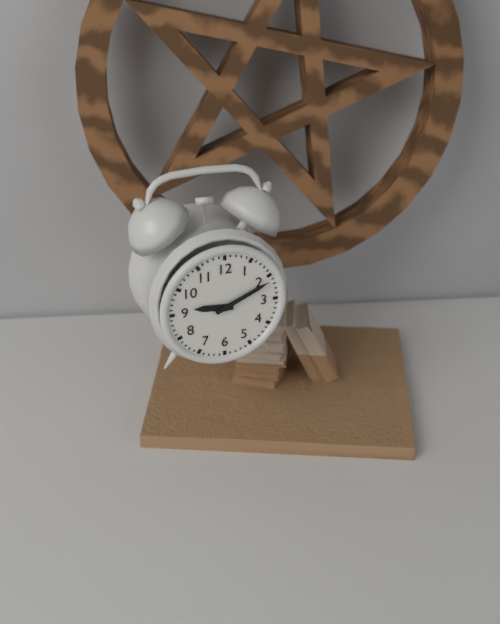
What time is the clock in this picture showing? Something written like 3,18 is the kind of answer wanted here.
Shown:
9,11
